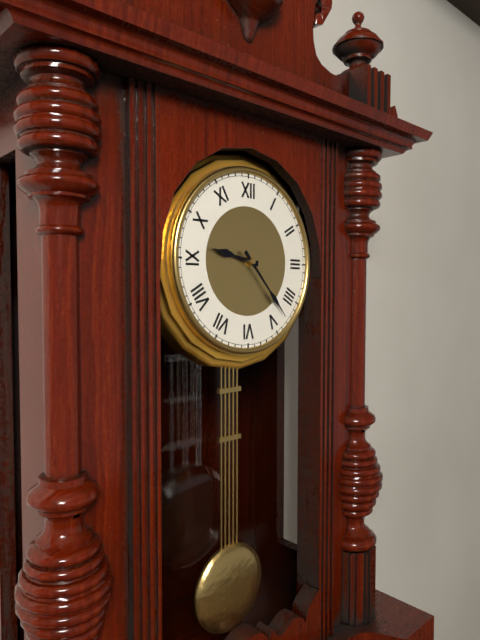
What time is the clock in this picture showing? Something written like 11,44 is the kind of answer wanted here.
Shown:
9,23
